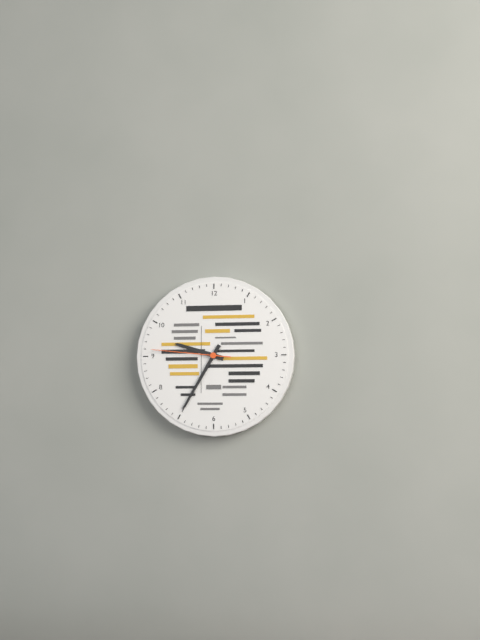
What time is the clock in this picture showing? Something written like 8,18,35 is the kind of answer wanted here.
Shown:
9,35,46
